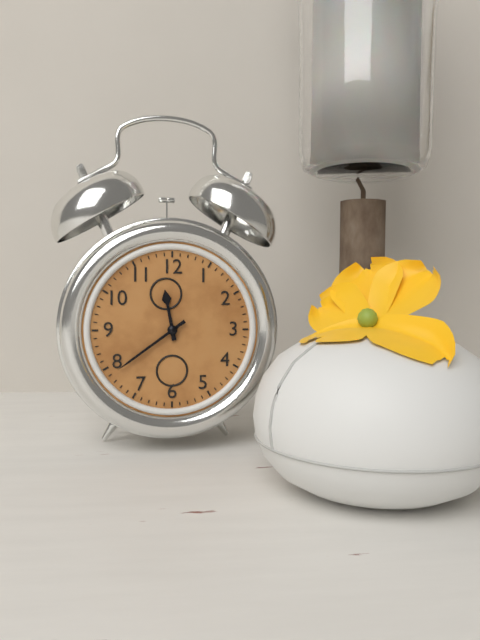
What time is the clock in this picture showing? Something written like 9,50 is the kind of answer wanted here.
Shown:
11,39
